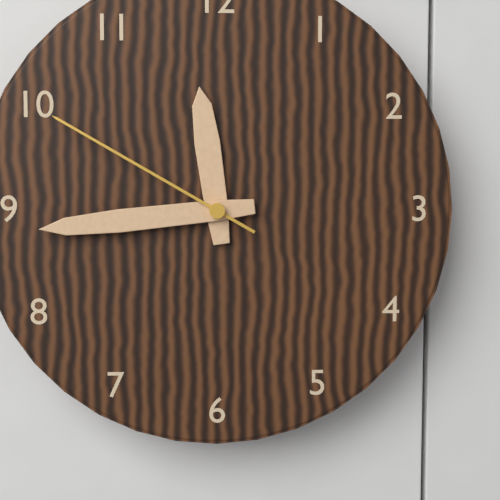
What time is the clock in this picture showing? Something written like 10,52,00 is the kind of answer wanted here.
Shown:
11,44,50
